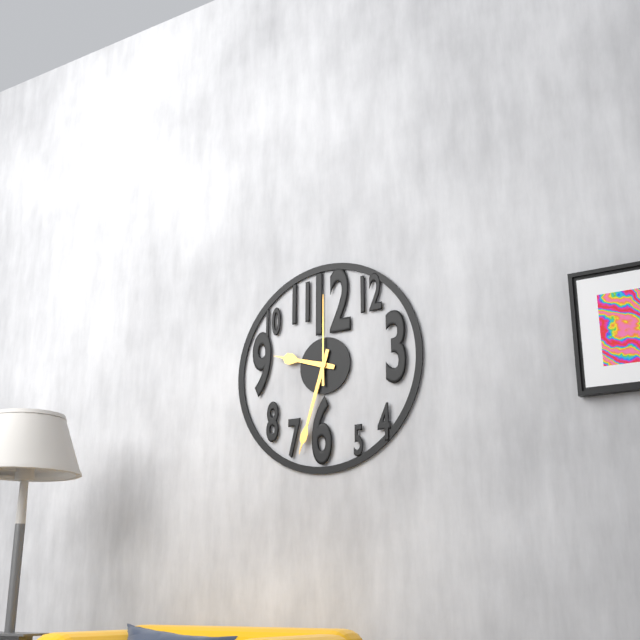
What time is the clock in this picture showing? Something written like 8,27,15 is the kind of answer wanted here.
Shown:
9,33,00
